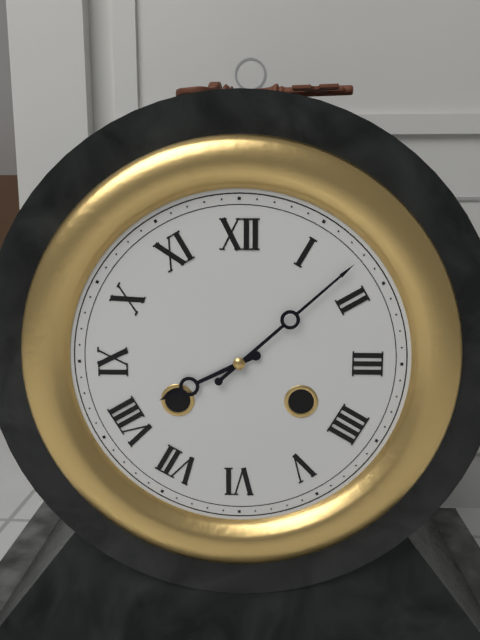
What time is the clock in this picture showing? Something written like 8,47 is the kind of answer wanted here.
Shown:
8,08
